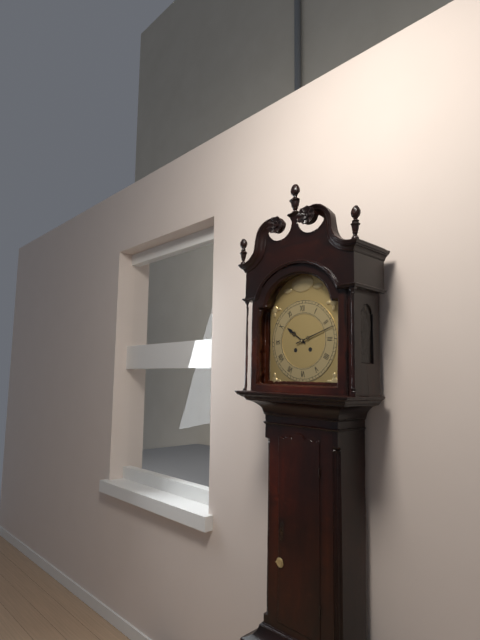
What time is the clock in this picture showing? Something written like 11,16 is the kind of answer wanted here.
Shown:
10,12
